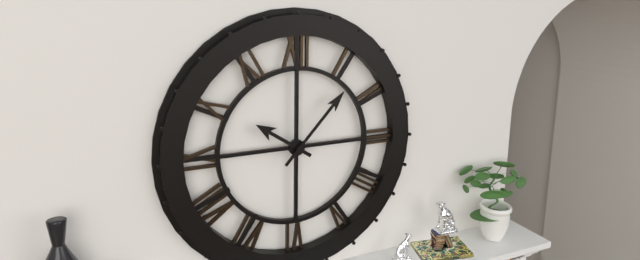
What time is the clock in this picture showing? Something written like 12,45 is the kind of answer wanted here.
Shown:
10,07
